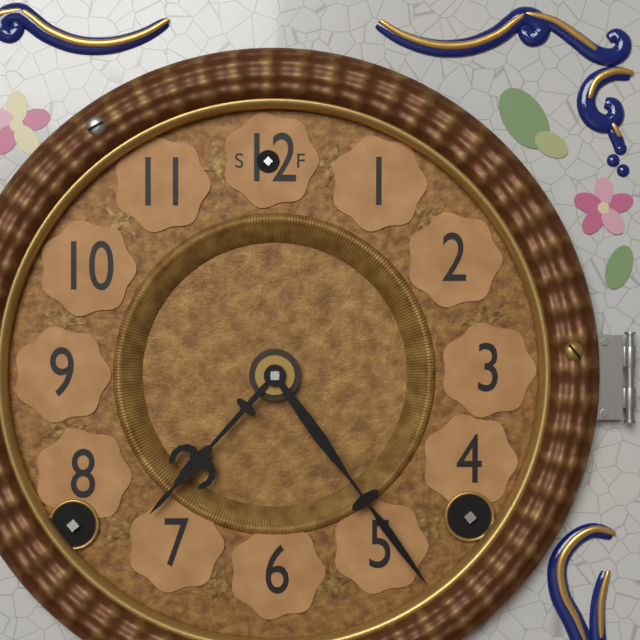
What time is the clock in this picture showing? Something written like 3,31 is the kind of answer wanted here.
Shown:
7,24
